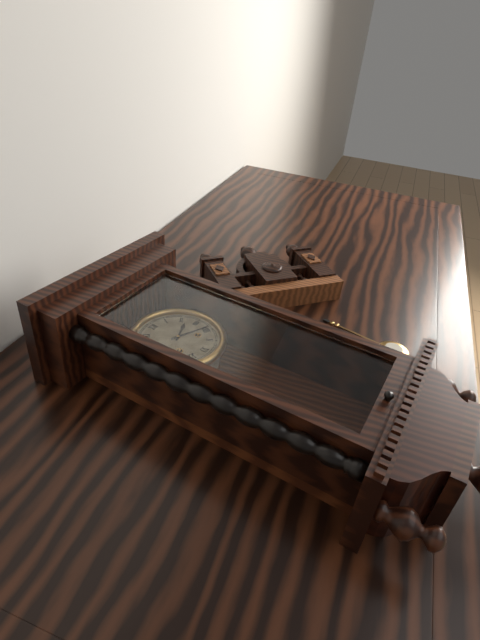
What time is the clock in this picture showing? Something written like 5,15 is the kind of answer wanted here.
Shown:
2,19
